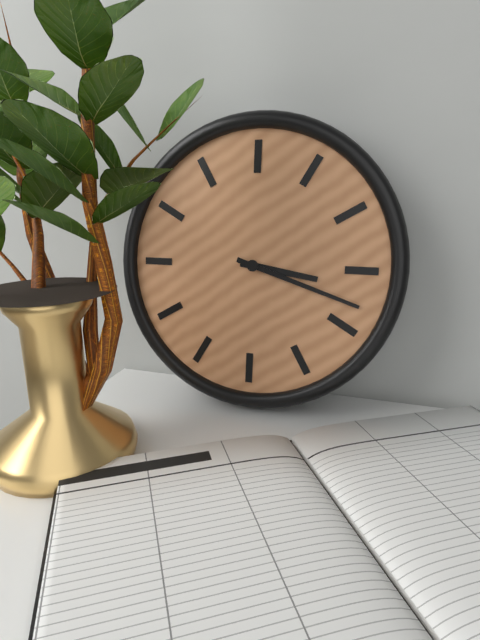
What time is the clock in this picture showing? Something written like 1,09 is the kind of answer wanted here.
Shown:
3,18
